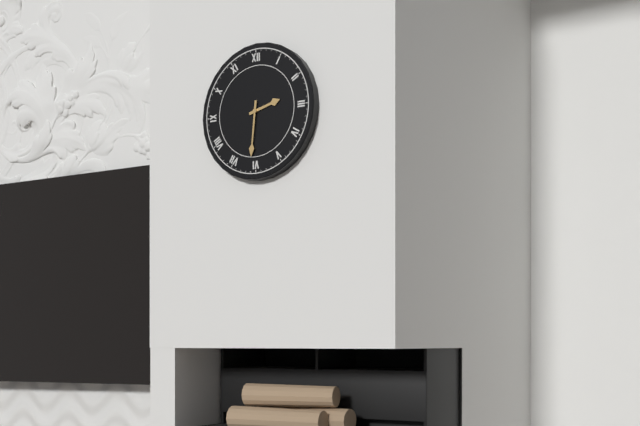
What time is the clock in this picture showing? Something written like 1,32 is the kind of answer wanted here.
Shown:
2,31
